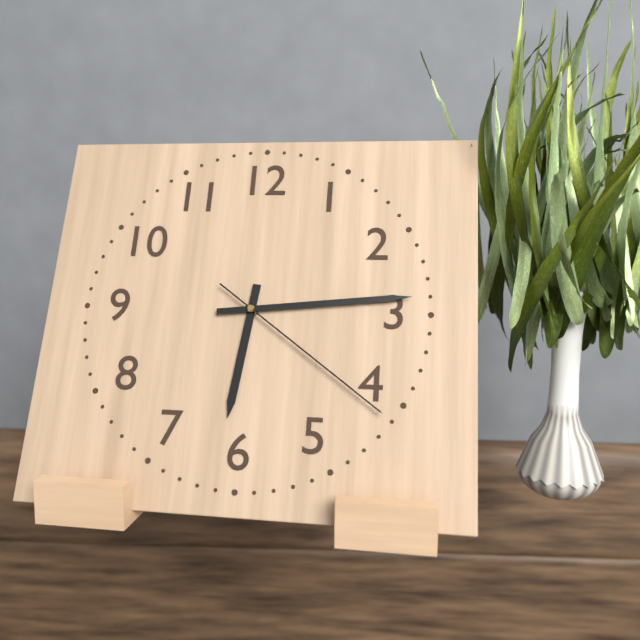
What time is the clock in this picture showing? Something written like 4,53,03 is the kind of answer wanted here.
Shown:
6,14,21
